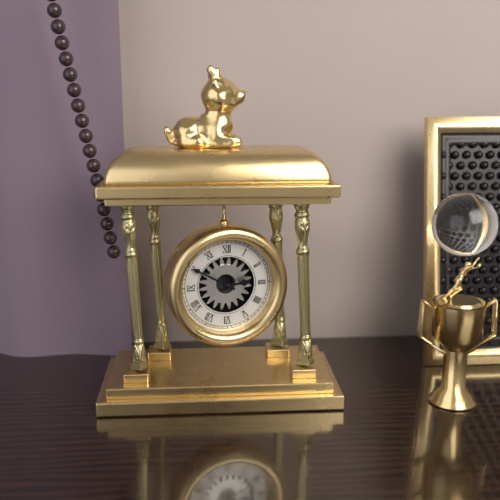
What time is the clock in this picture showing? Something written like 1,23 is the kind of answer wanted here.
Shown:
2,50
